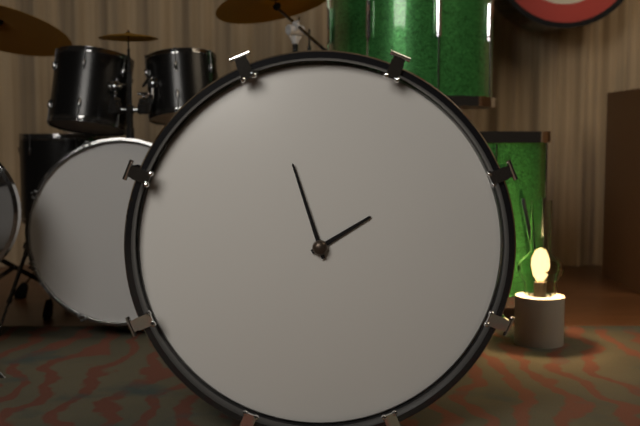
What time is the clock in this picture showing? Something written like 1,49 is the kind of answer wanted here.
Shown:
1,57
